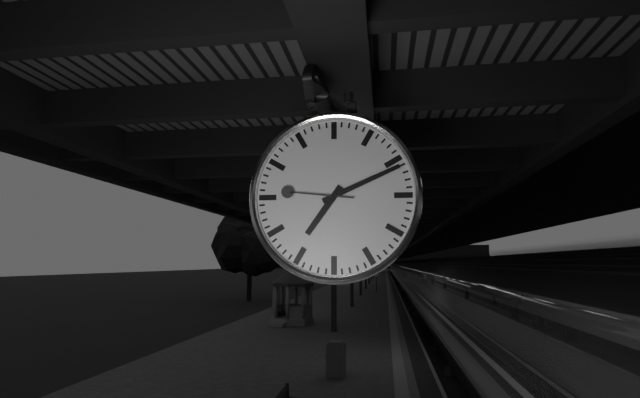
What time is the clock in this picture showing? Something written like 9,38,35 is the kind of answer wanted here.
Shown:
7,11,46
